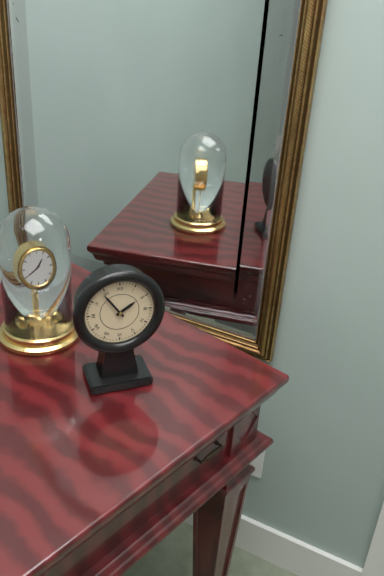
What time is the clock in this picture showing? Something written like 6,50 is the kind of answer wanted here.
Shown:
1,54
